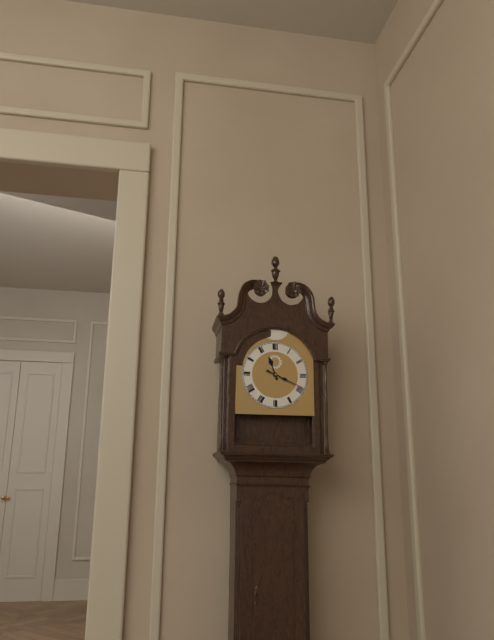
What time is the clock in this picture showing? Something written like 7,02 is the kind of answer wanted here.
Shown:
11,19
